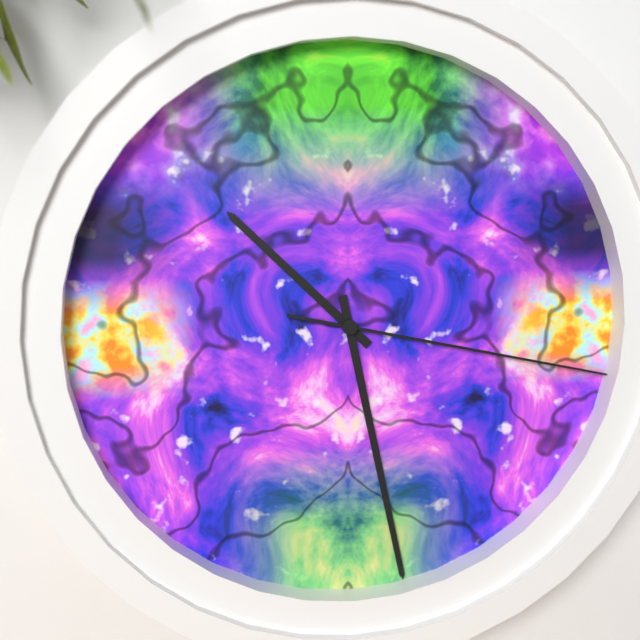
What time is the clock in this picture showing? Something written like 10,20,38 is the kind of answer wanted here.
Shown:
10,28,17
